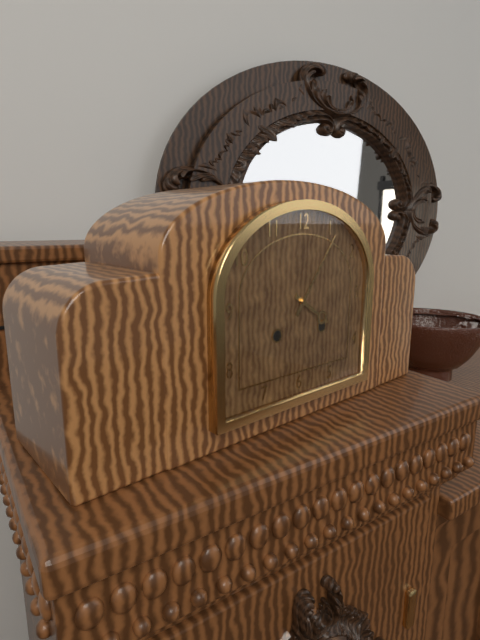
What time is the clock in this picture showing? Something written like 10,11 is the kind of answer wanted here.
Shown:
4,06
